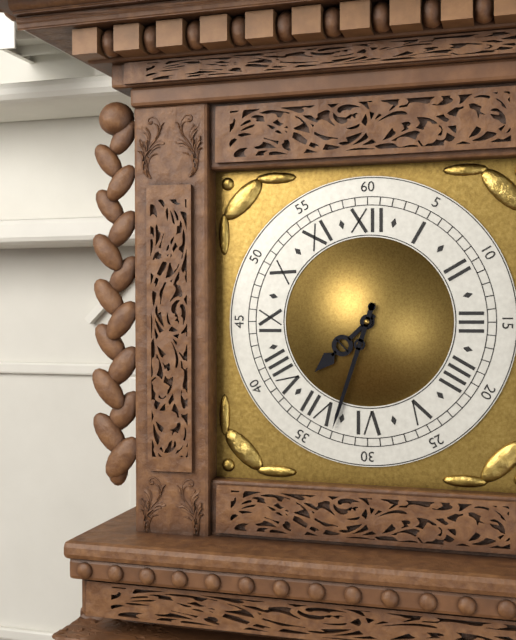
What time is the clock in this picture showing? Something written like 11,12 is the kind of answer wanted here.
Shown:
7,33
